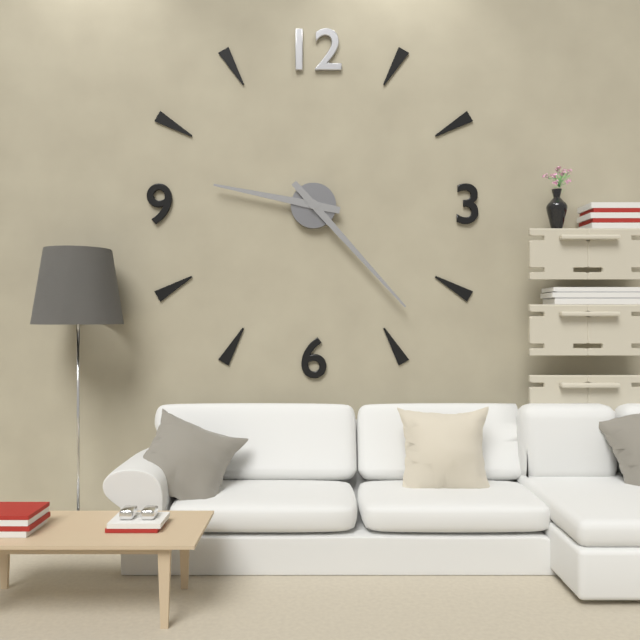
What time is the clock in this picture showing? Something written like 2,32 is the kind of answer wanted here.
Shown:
9,23
